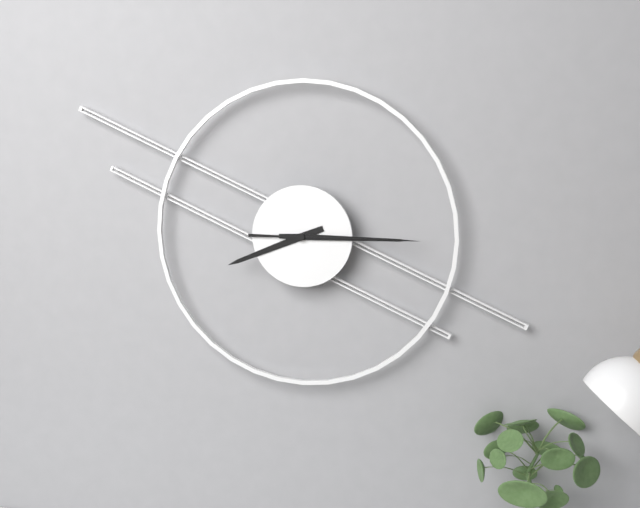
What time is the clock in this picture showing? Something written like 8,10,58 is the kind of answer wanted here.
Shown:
8,15,15
